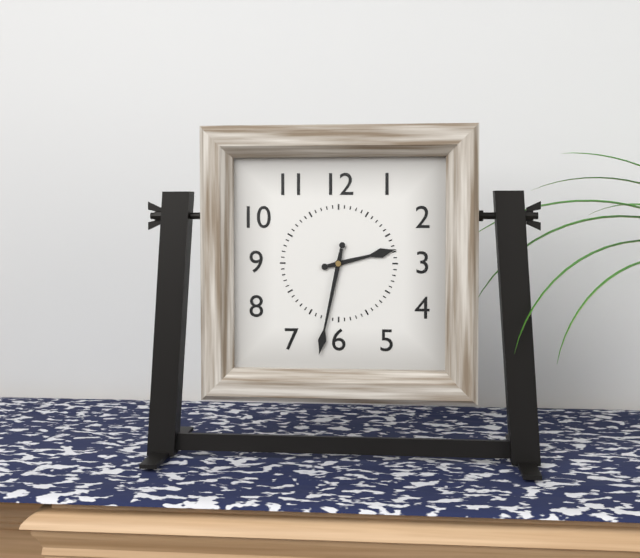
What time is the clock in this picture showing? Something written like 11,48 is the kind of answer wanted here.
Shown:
2,32
